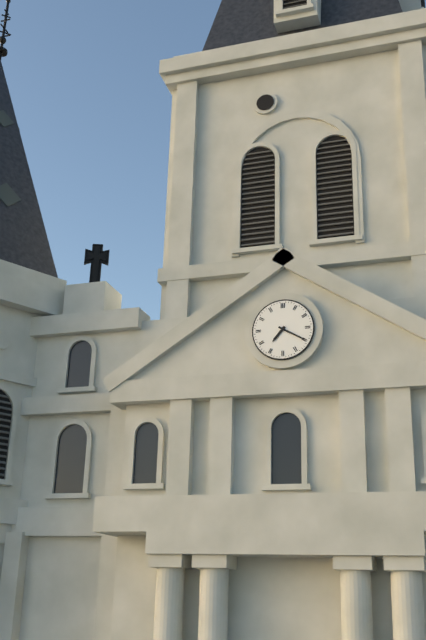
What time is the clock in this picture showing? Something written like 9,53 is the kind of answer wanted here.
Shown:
7,20
